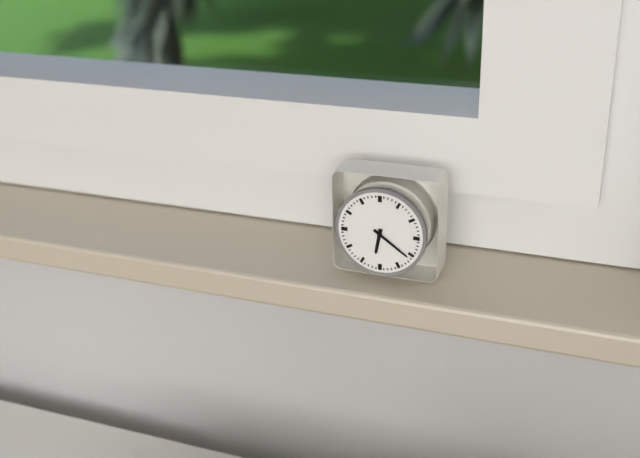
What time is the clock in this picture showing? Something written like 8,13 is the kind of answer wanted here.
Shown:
6,21
